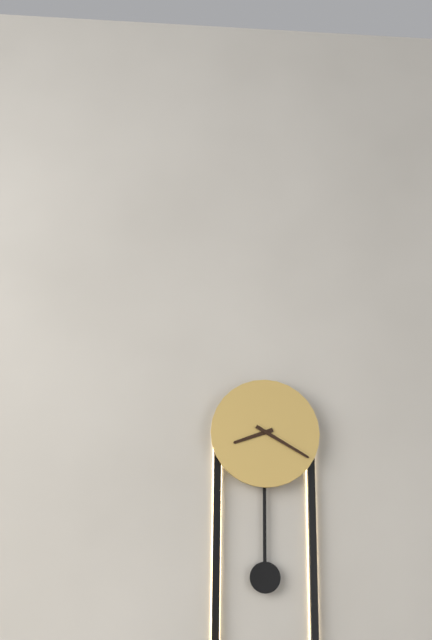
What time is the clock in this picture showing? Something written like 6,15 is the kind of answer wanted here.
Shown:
8,20
